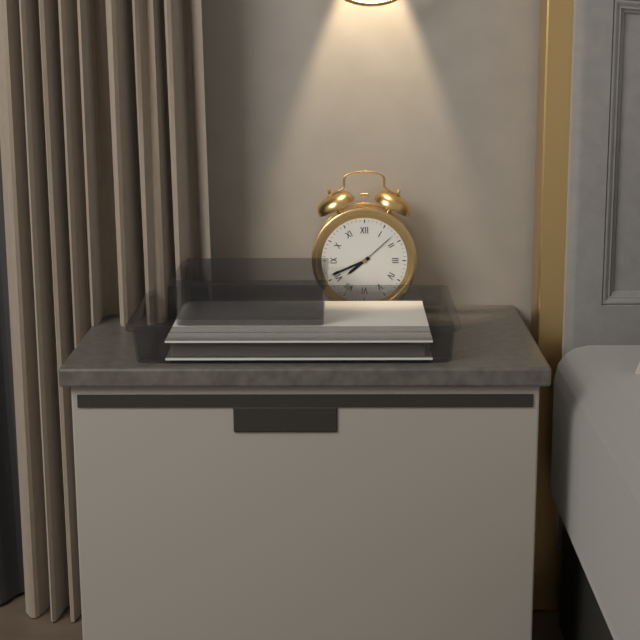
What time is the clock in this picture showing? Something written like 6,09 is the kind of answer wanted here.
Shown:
7,41
